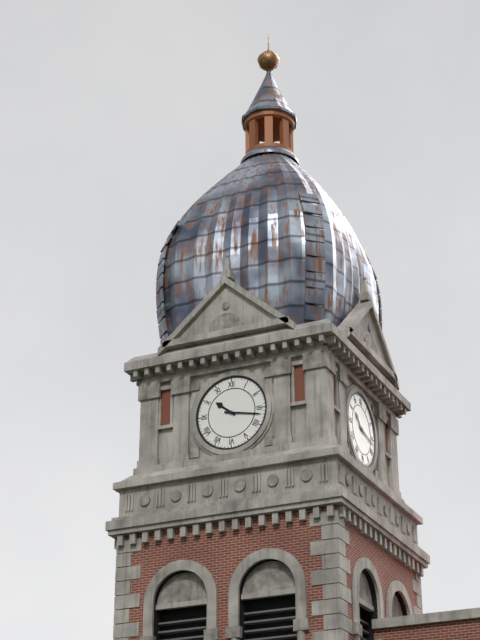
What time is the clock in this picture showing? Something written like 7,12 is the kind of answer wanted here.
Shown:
10,17
